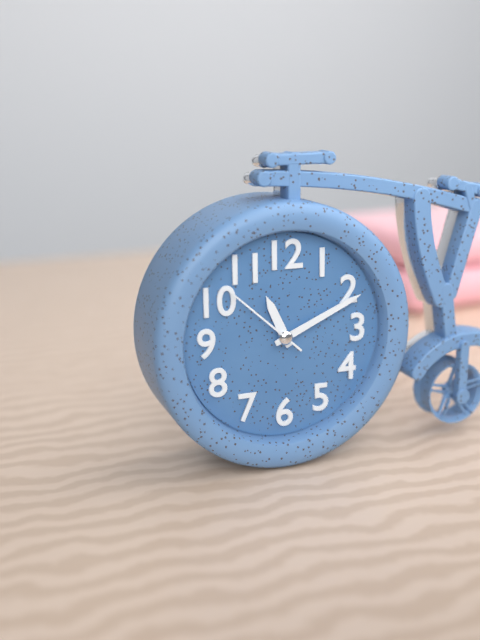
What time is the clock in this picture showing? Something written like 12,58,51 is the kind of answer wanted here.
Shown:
11,11,52
